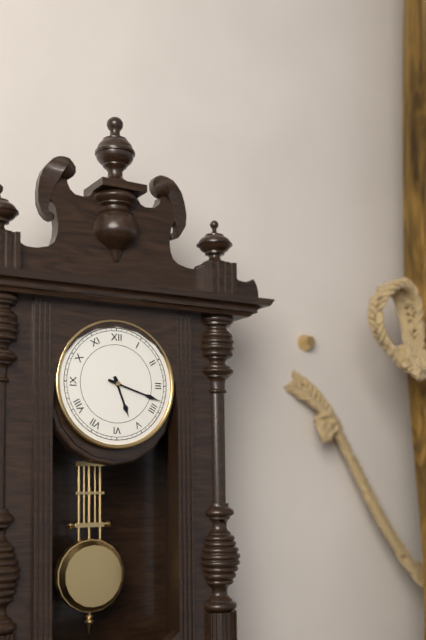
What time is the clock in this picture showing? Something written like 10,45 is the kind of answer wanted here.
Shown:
5,18
